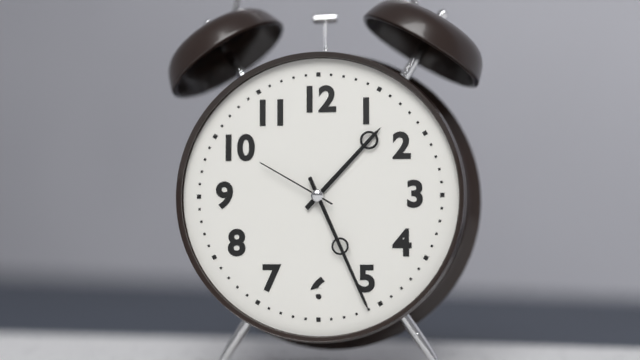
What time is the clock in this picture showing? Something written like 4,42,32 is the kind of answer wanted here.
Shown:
1,26,50
